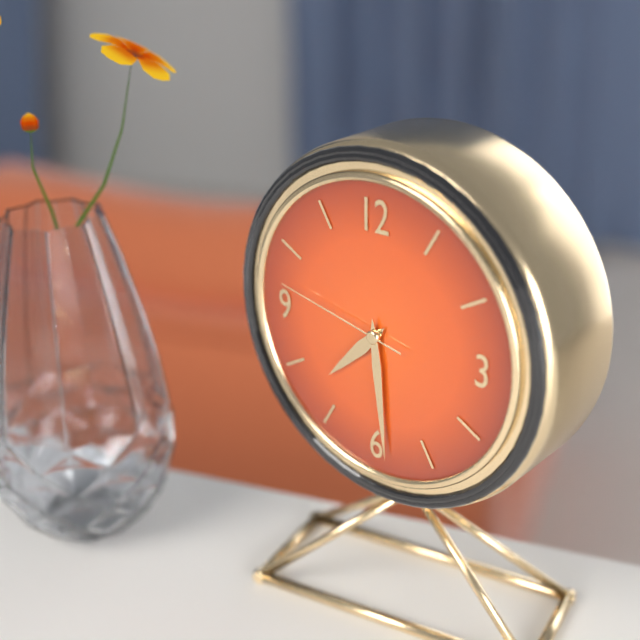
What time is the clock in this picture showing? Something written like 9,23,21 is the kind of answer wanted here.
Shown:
7,29,47
